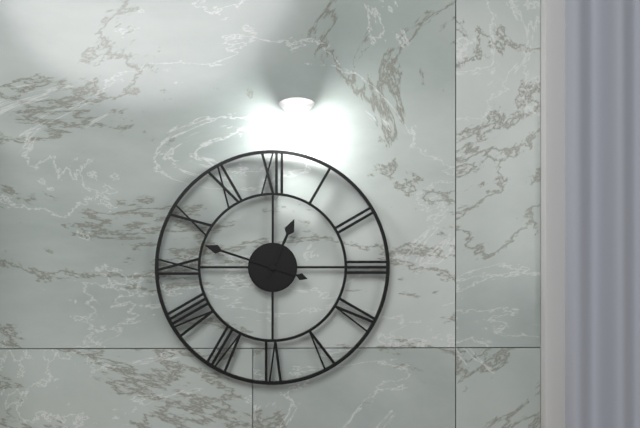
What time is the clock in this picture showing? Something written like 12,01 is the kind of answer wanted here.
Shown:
12,48
